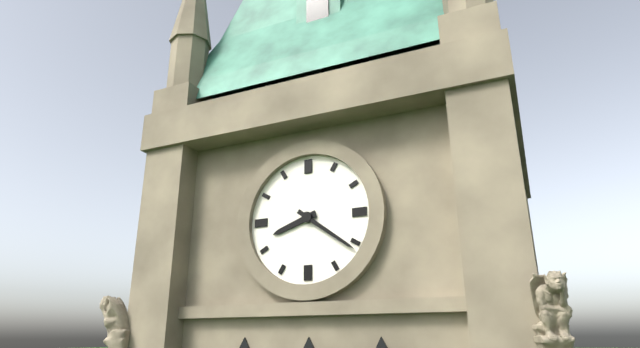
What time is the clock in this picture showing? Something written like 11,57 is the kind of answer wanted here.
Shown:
8,21
